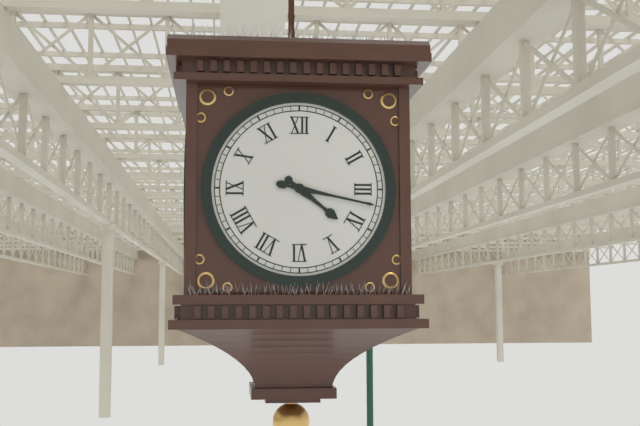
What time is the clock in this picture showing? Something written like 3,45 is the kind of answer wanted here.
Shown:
4,17
